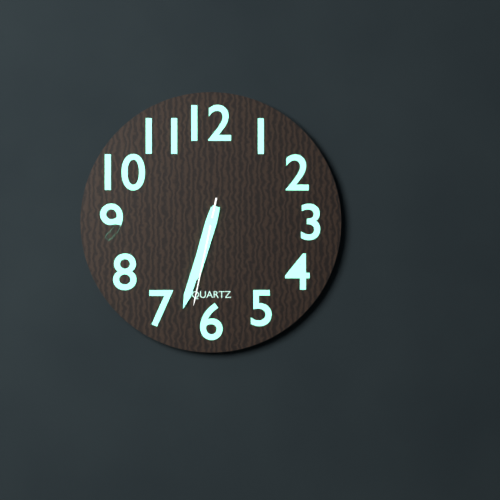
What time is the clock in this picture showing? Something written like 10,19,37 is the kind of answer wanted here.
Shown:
6,33,32
